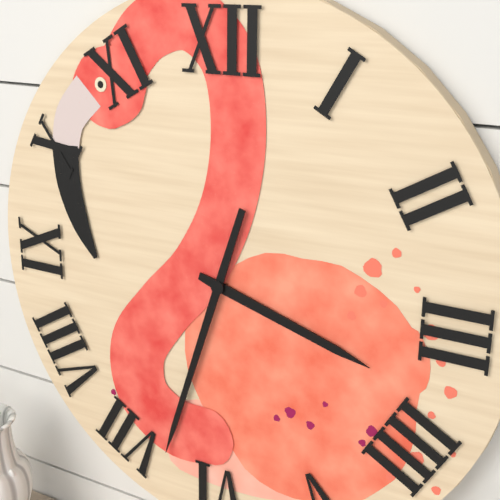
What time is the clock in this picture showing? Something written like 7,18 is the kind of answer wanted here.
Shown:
3,33
